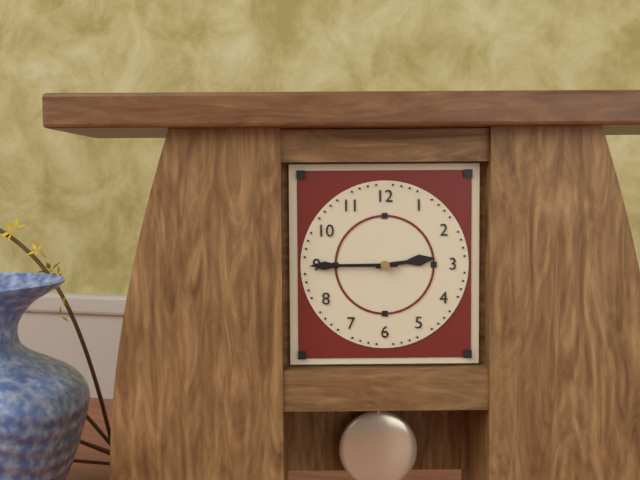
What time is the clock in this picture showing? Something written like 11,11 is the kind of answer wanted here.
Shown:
2,45
